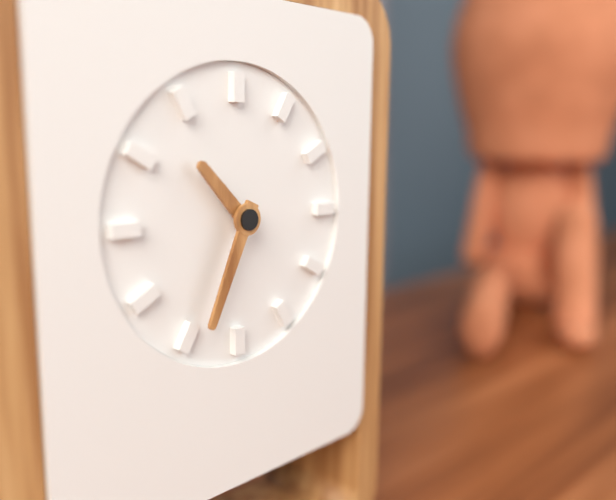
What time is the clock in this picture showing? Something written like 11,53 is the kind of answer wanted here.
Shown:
10,34
